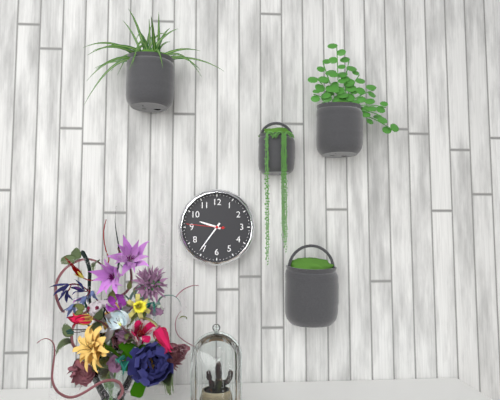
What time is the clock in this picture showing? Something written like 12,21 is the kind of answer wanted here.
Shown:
9,36
